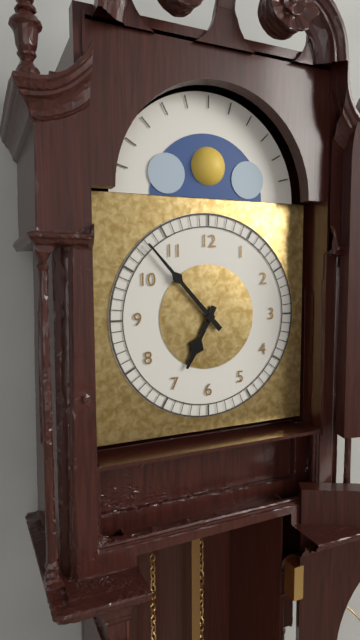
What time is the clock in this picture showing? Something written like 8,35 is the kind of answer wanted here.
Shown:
6,53
